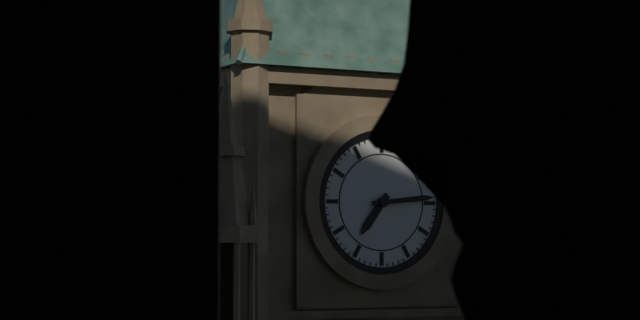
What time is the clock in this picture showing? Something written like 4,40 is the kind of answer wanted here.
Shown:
7,14
